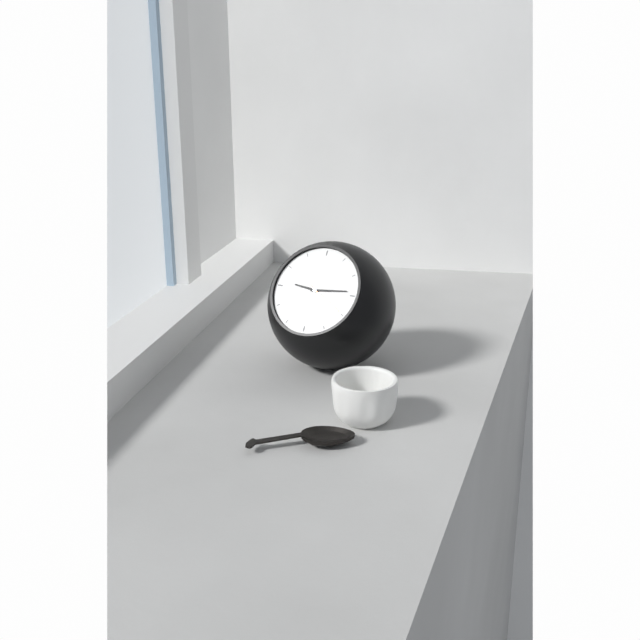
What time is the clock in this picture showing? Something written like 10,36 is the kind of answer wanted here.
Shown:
9,14
